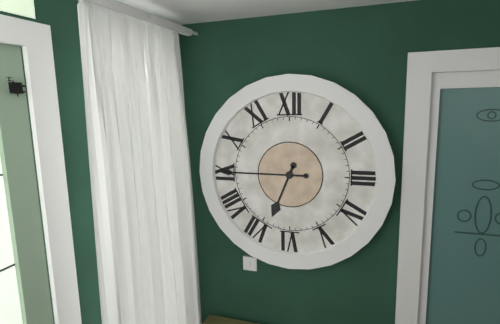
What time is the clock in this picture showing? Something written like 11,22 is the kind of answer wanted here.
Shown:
6,45
